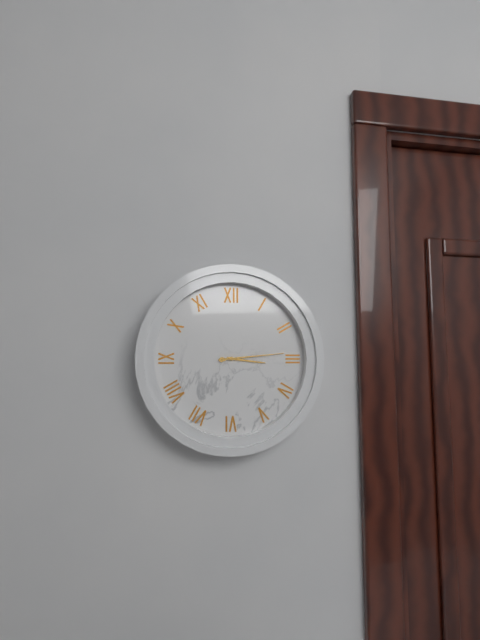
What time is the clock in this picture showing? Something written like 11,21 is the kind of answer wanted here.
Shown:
3,14
